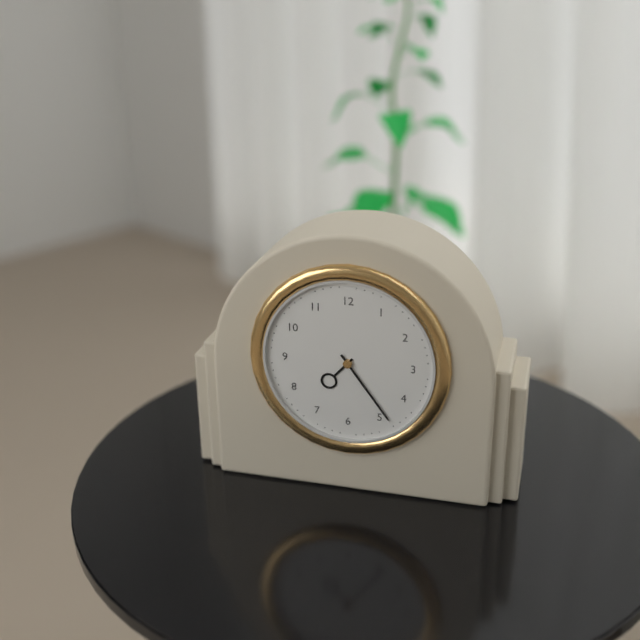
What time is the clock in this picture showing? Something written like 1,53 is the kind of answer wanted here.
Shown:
7,24
